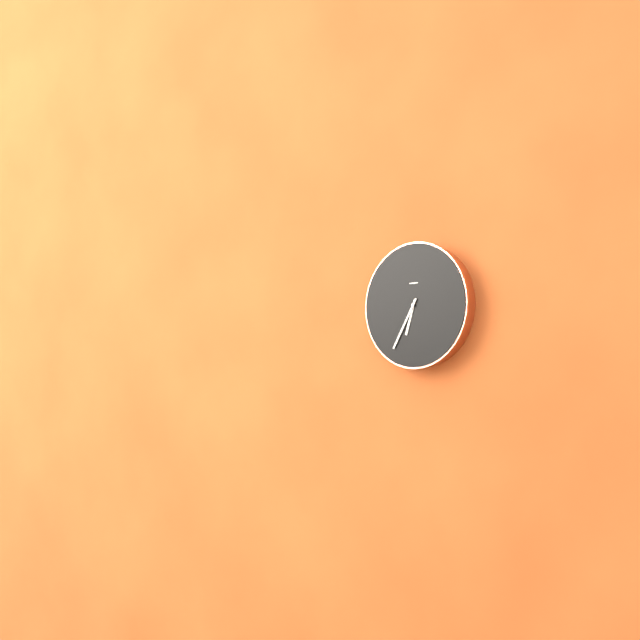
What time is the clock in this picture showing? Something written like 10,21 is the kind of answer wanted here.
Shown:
6,35
